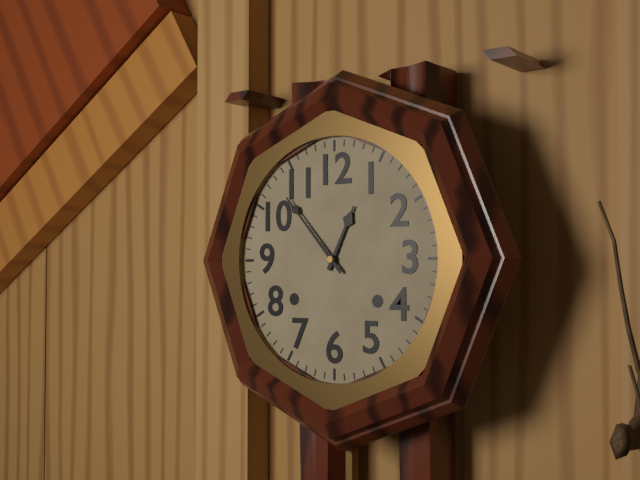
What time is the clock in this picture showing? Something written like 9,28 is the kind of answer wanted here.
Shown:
12,53
